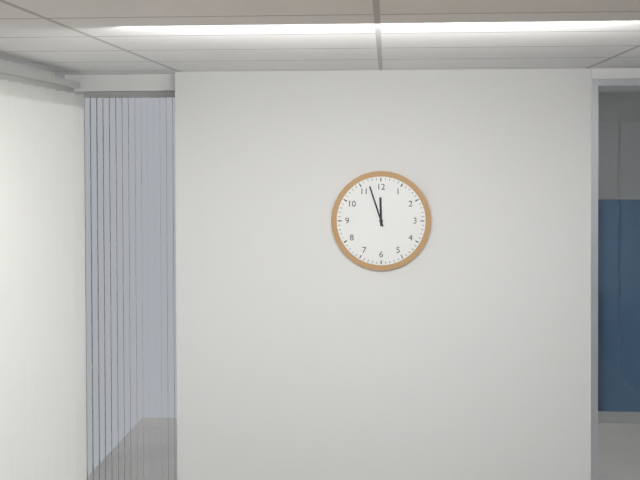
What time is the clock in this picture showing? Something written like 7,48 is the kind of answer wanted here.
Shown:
11,57
